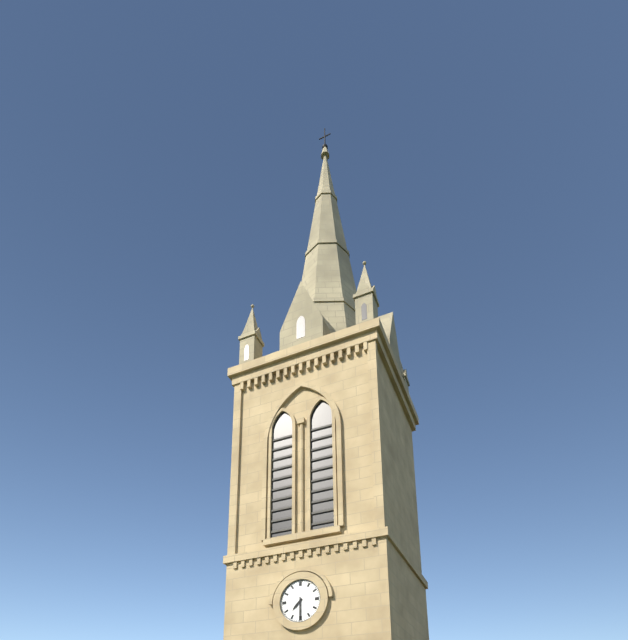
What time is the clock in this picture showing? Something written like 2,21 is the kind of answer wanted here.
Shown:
7,30
